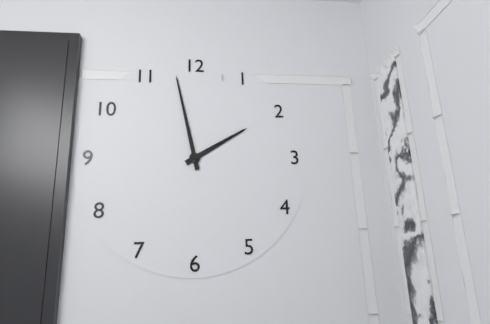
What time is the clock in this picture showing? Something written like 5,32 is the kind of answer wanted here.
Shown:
1,58
